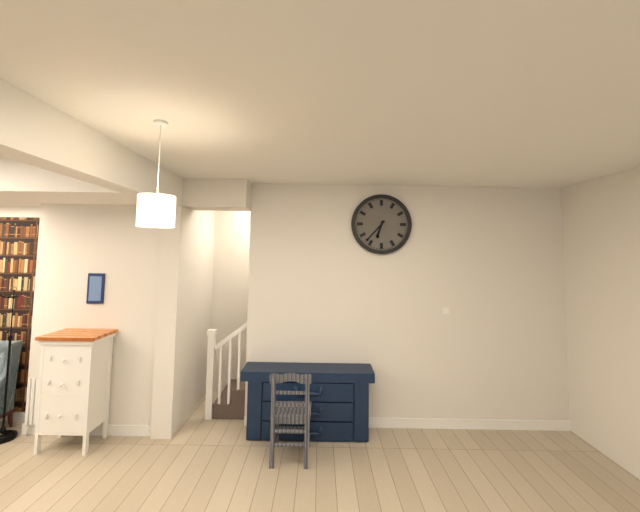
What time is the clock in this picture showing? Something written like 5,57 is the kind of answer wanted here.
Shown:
6,37
